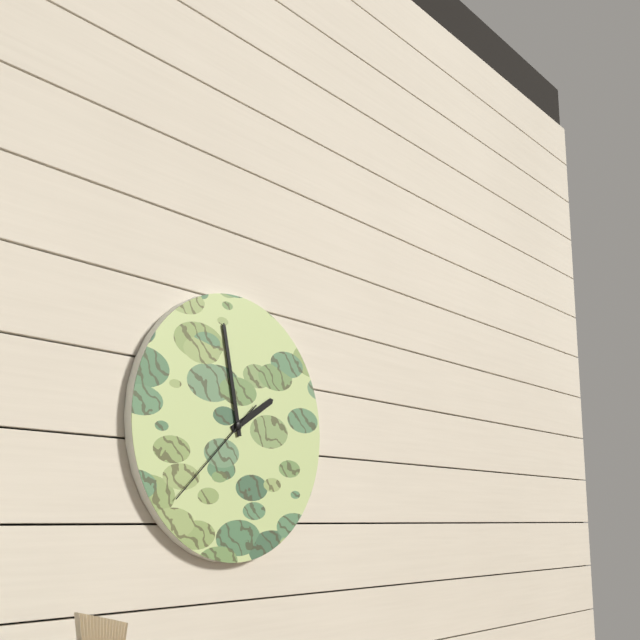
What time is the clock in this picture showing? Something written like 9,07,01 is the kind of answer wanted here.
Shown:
1,58,38
